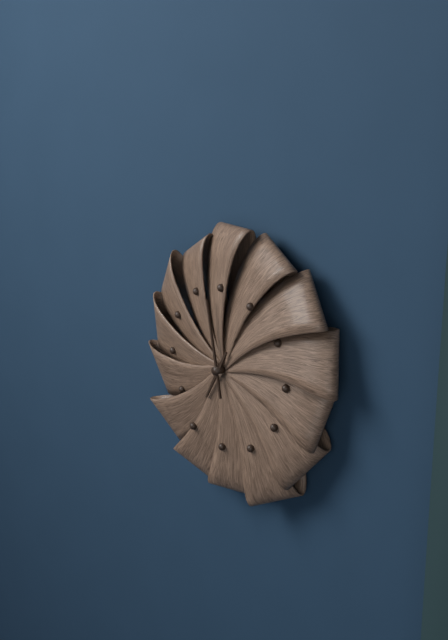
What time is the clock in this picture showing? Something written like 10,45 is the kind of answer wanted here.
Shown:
6,58
